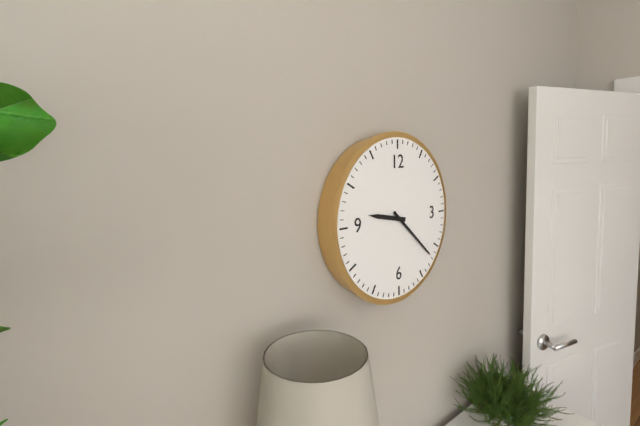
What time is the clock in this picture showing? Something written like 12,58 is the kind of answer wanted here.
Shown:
9,22
